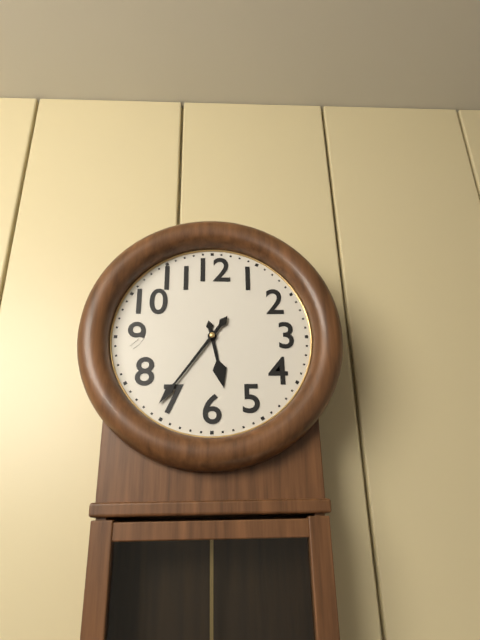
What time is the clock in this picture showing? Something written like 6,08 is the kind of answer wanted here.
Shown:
5,36
